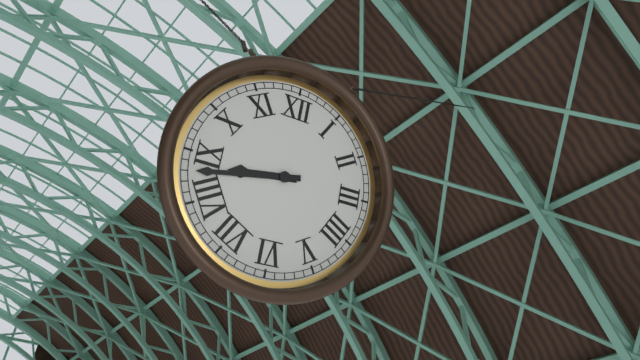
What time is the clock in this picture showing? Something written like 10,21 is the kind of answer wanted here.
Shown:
8,43
